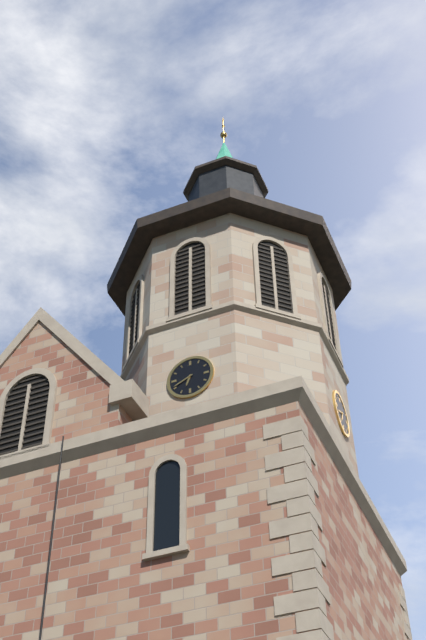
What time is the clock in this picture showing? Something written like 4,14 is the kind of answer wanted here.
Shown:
6,41
